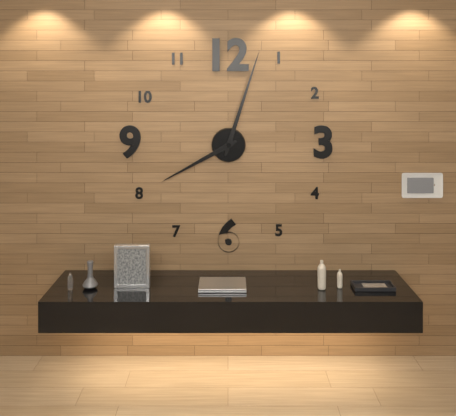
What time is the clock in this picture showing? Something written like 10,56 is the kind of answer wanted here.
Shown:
8,03
